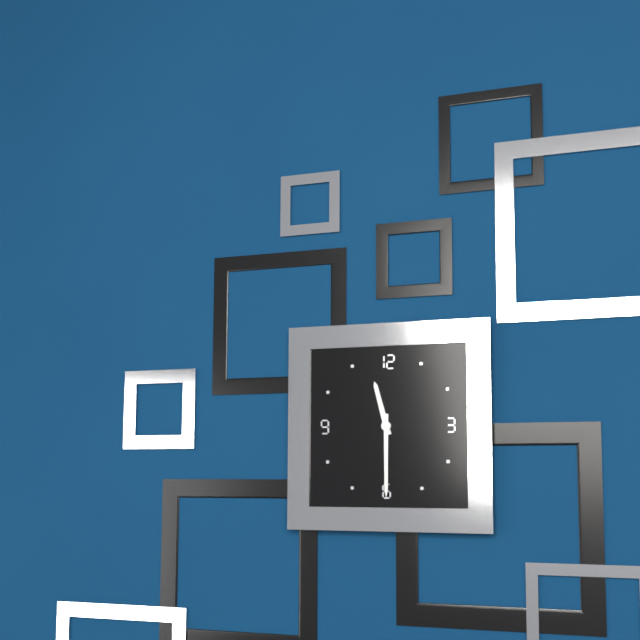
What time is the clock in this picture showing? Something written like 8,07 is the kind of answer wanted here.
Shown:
11,30
